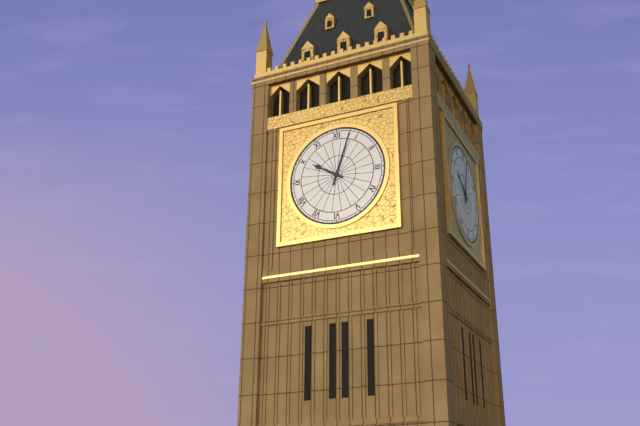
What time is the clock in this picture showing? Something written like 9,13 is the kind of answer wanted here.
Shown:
10,03
